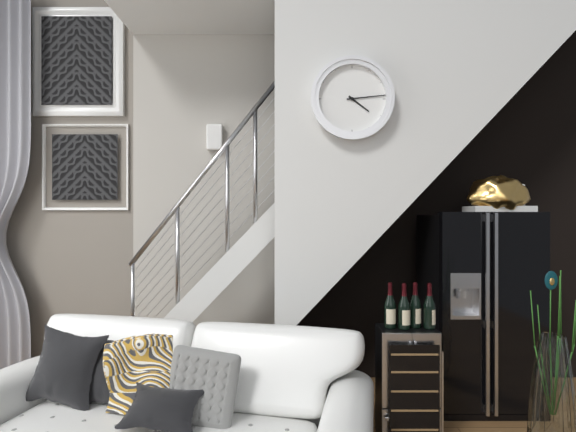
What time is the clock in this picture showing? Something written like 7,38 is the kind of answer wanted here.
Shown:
4,14
